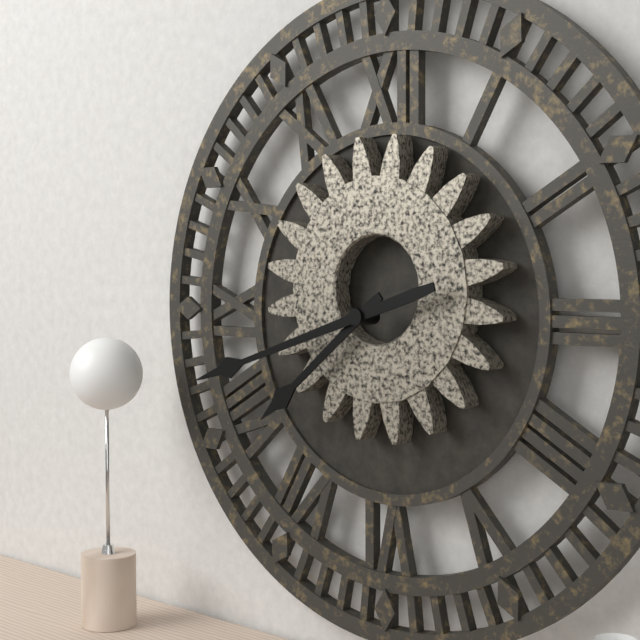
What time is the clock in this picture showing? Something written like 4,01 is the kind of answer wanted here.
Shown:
7,42
